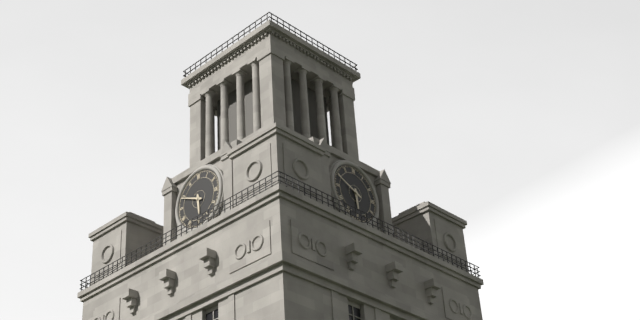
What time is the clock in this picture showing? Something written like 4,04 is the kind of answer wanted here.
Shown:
5,49
